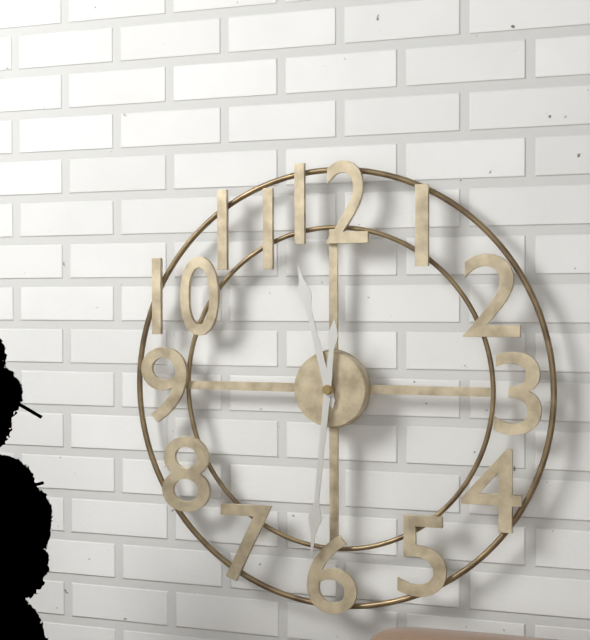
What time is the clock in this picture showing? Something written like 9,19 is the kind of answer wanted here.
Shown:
11,31
